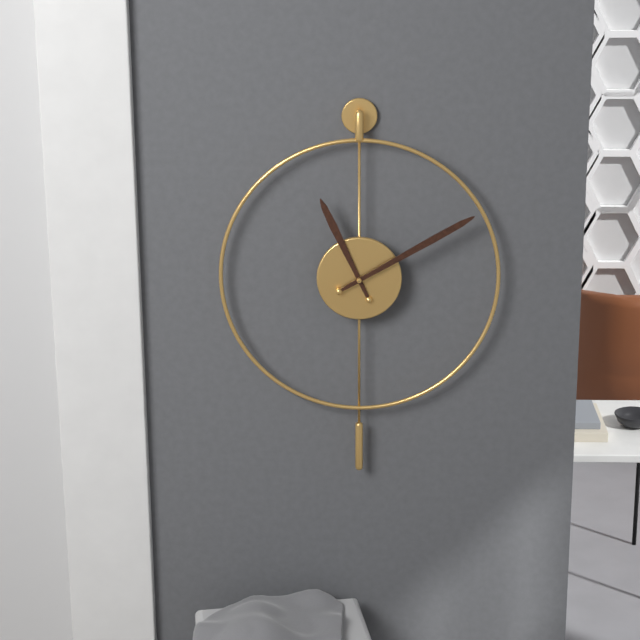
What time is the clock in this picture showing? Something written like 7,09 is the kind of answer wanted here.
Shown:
11,10
